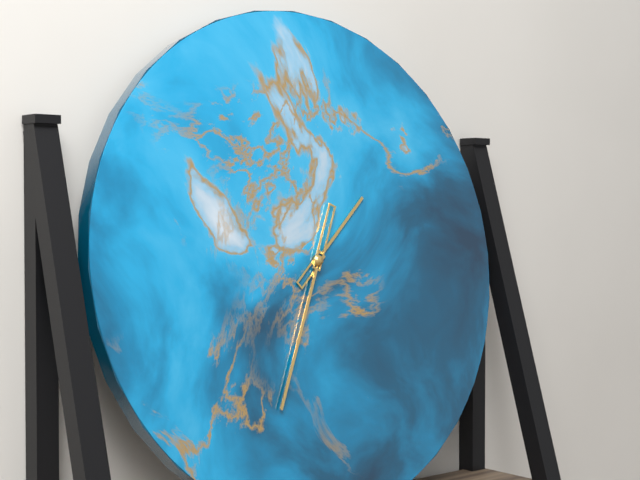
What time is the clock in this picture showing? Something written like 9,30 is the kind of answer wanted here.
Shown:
1,34
